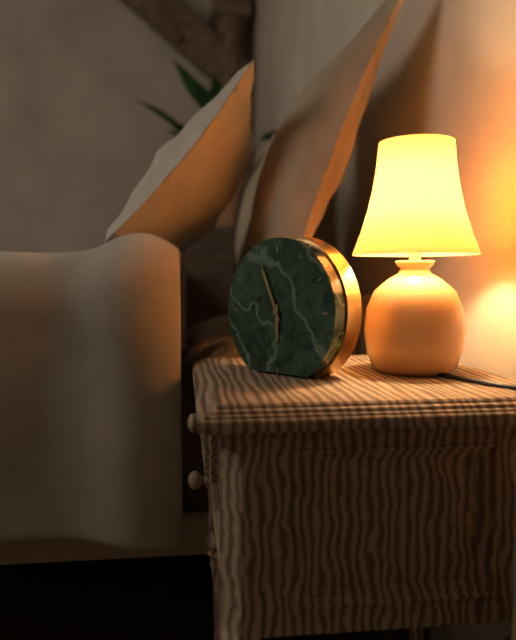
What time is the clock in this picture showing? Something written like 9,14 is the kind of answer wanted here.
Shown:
5,56
